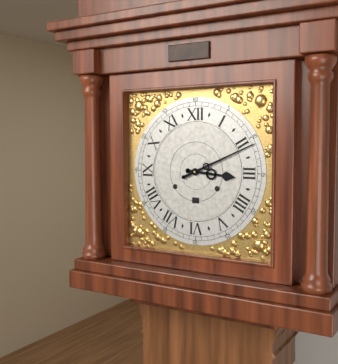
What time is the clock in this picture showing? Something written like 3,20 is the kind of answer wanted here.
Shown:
3,11
